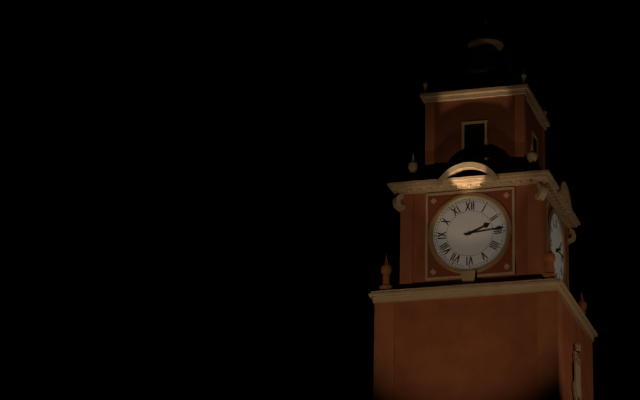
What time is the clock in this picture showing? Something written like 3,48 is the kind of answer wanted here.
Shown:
2,14
